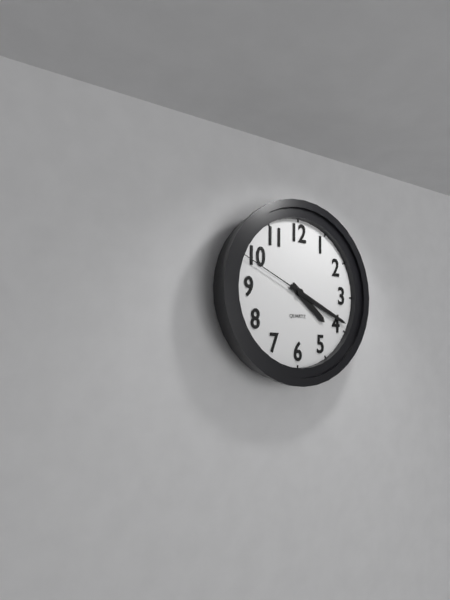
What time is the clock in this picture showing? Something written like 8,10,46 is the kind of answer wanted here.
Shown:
4,19,49
